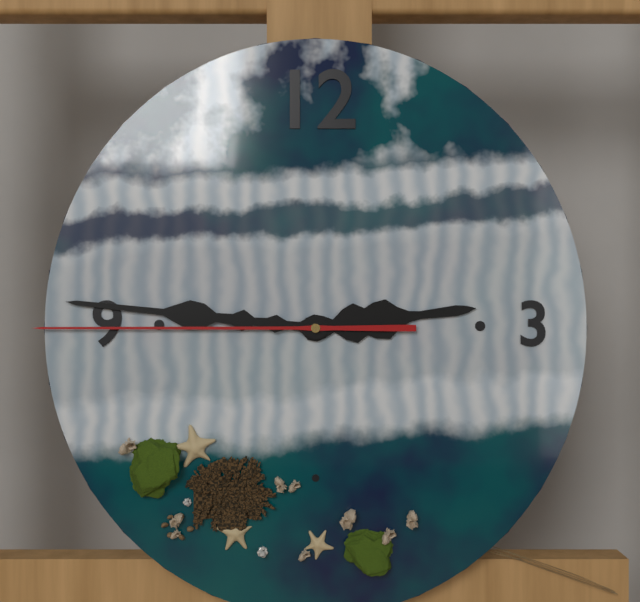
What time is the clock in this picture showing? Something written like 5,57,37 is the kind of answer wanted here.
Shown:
2,46,45
